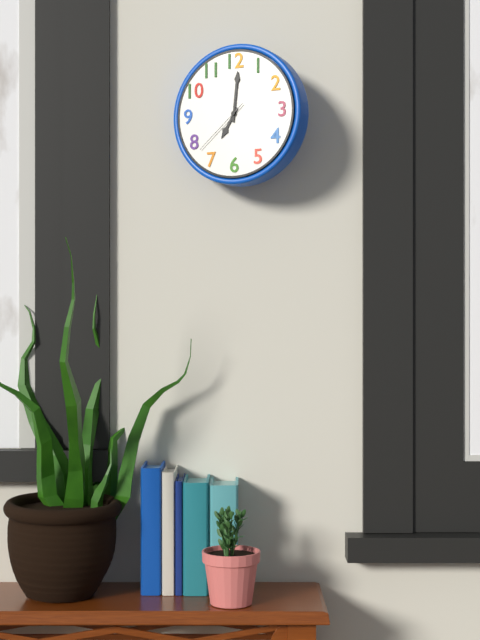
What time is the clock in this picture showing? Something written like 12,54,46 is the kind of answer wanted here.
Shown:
7,01,38
